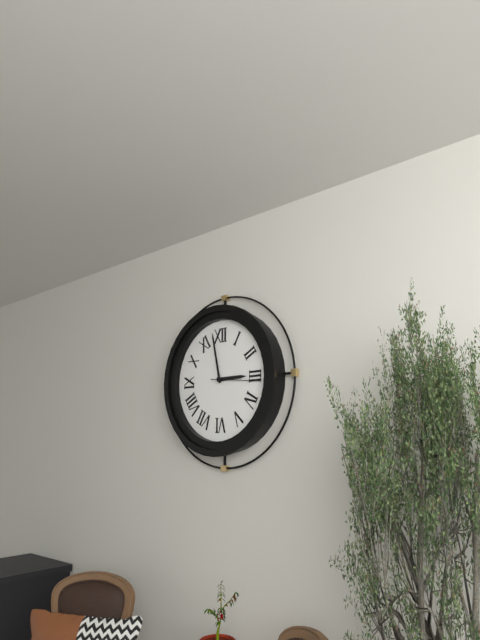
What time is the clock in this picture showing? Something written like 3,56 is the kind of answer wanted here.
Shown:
2,58
